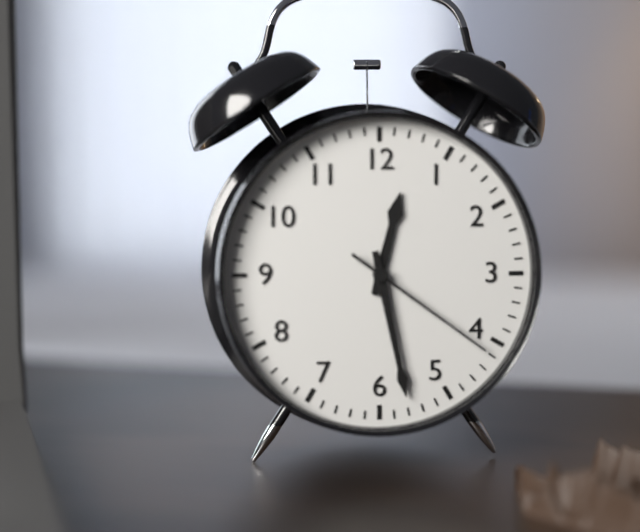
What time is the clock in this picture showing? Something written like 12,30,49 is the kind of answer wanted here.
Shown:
12,28,21
